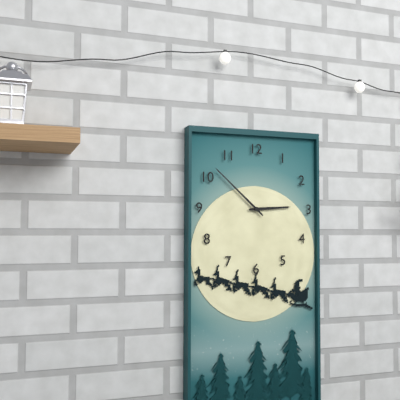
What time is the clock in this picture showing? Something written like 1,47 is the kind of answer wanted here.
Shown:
2,52
